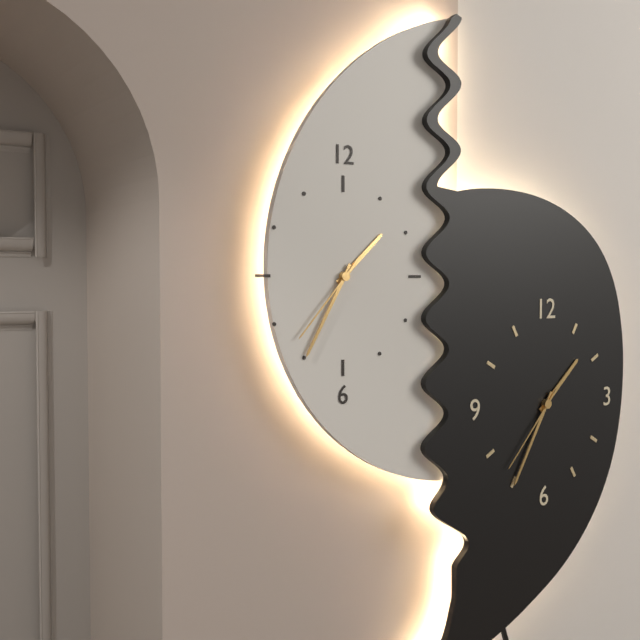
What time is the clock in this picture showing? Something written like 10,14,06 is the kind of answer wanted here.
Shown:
1,35,37
